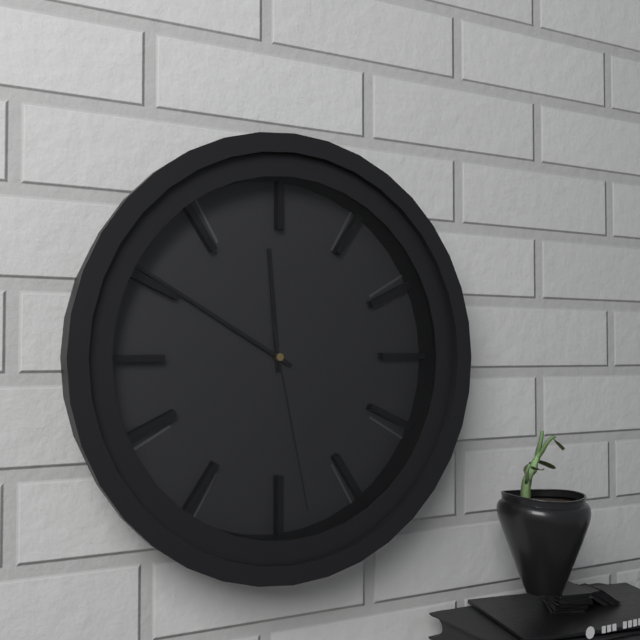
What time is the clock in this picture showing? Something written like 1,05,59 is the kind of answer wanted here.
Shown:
11,50,28
